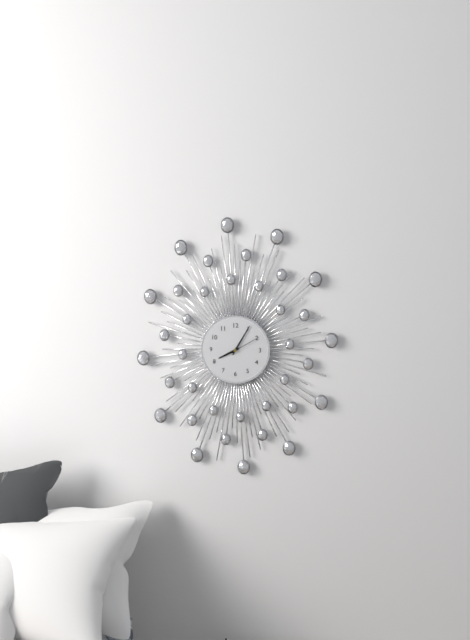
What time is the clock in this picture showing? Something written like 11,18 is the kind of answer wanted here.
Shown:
8,05
